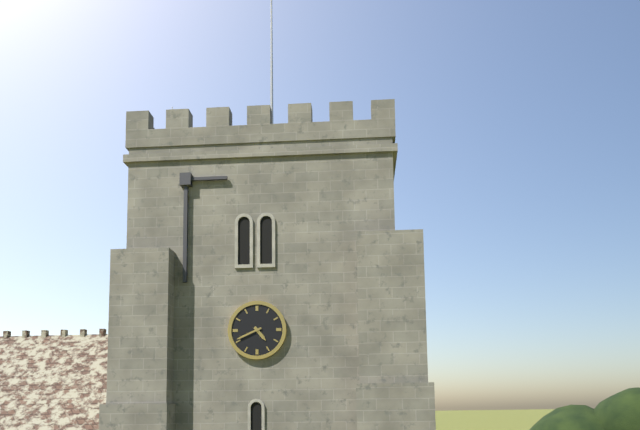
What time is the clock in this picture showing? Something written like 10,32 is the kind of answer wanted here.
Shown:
4,41
